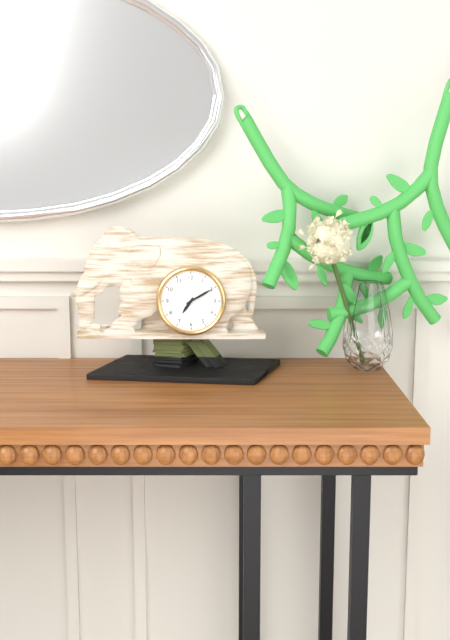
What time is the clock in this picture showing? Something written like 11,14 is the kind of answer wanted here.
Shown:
7,10
